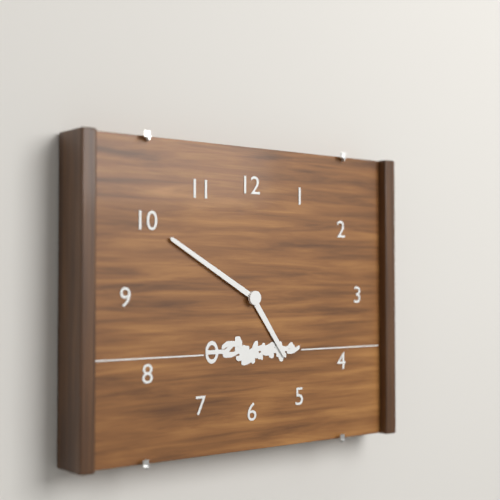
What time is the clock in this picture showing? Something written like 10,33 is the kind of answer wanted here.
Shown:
4,50
